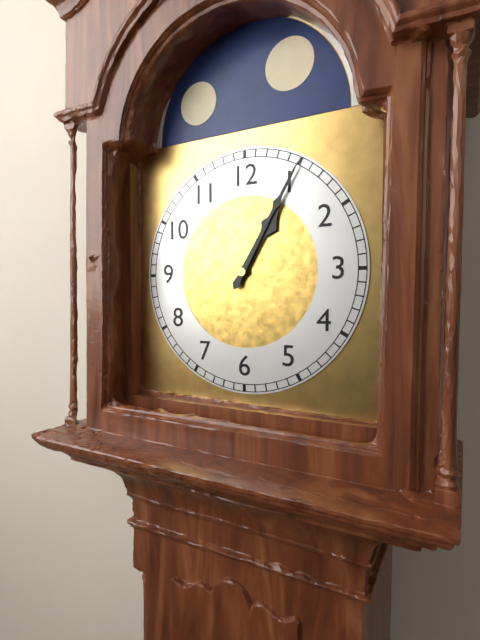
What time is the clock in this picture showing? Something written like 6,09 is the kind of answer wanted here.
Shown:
1,05
